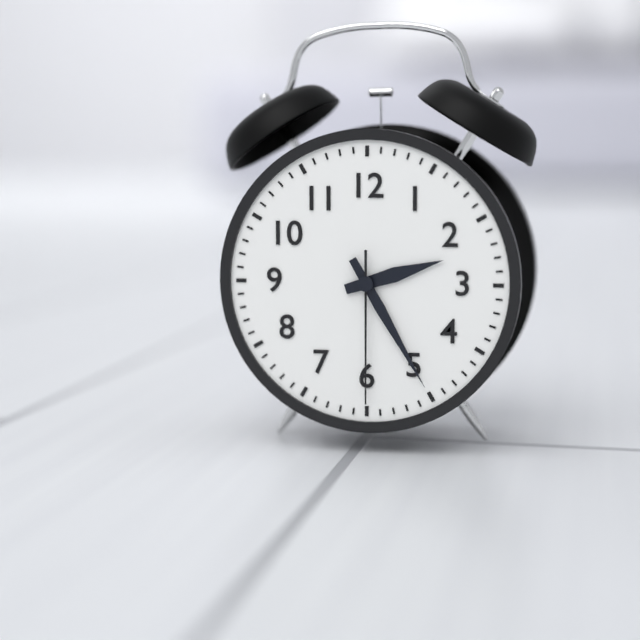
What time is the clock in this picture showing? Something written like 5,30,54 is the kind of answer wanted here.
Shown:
2,25,30
